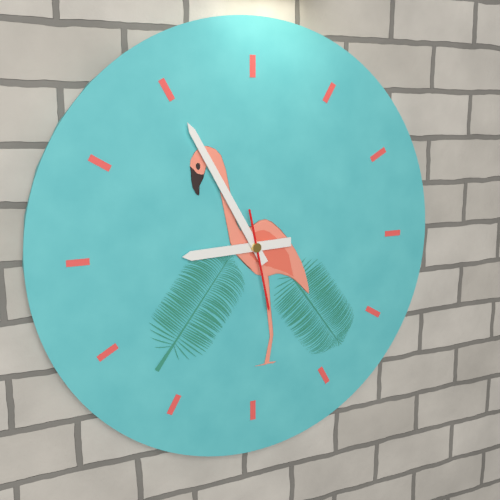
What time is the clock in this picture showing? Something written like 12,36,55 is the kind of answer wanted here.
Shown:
8,55,28
